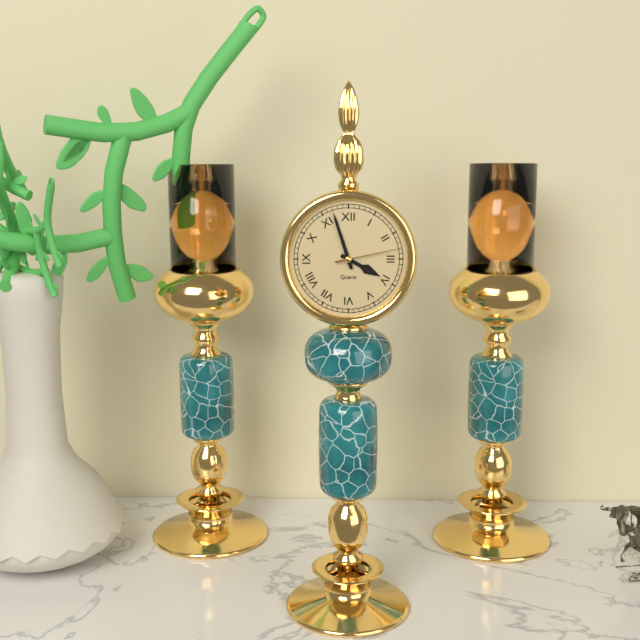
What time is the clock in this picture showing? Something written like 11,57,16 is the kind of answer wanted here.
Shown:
3,57,13
